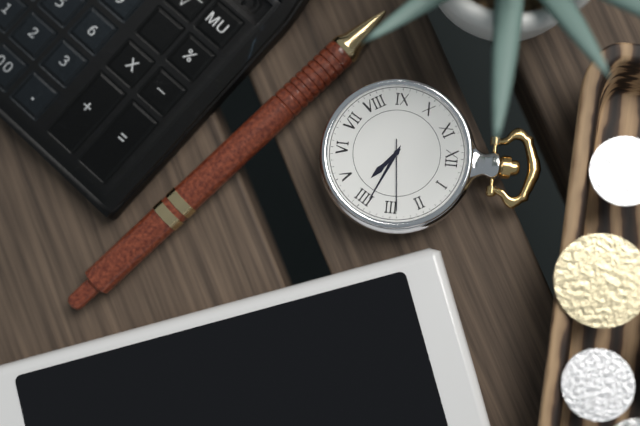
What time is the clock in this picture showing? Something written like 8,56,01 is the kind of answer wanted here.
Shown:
4,19,14
